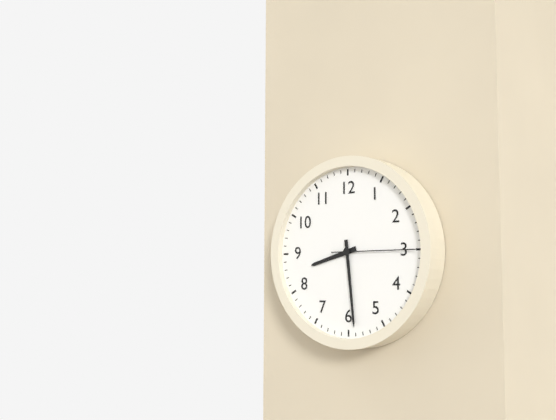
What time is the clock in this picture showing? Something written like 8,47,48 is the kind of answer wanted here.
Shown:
8,29,15
